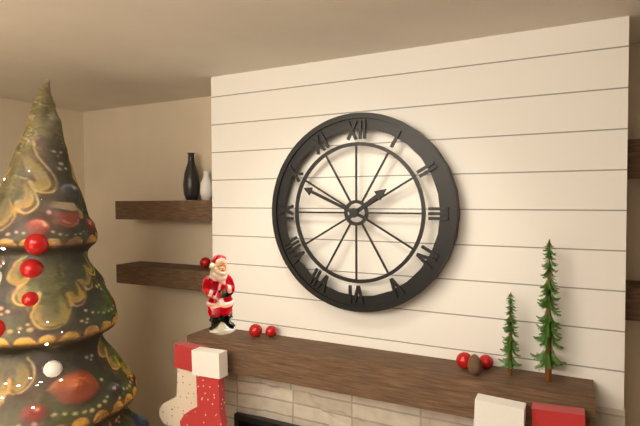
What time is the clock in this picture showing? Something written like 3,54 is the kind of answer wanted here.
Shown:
1,49
